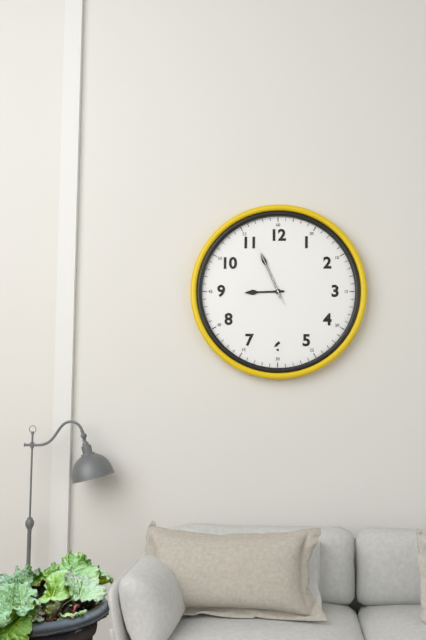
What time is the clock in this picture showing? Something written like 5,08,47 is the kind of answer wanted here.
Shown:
8,56,56
